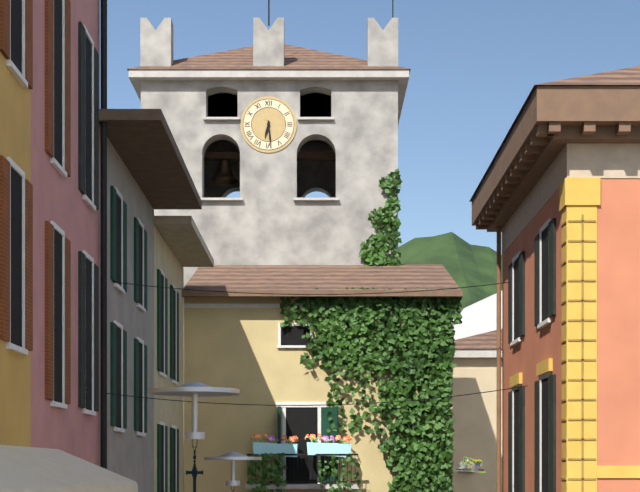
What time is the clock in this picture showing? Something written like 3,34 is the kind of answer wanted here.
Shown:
6,29
